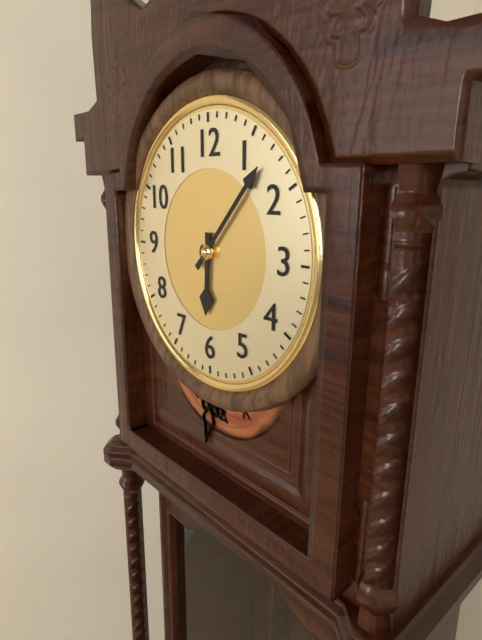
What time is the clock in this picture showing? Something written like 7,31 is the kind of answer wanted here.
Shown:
6,07
